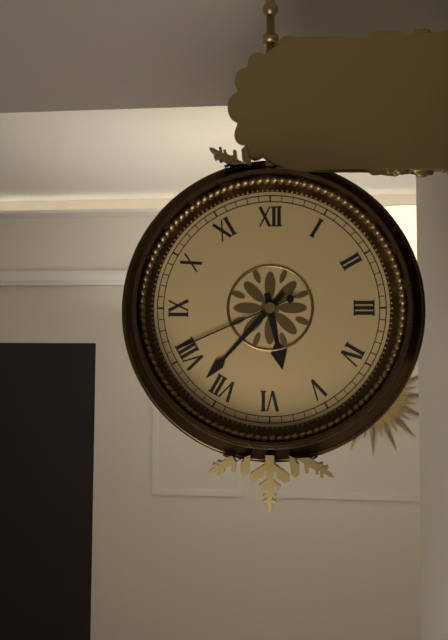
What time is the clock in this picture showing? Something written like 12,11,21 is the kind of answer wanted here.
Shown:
5,37,41
